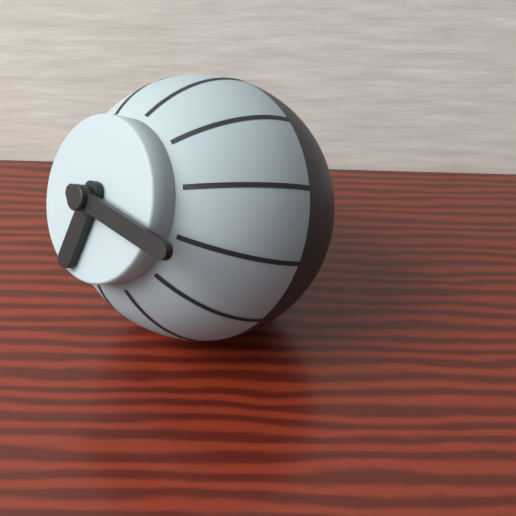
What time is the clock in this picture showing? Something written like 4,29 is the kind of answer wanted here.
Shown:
6,15
